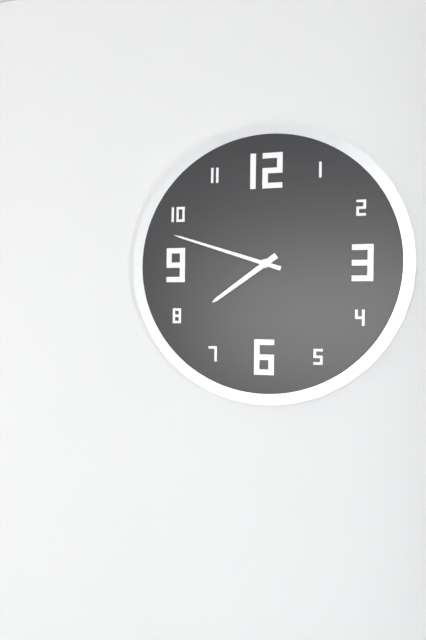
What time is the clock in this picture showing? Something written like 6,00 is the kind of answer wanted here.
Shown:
7,48
